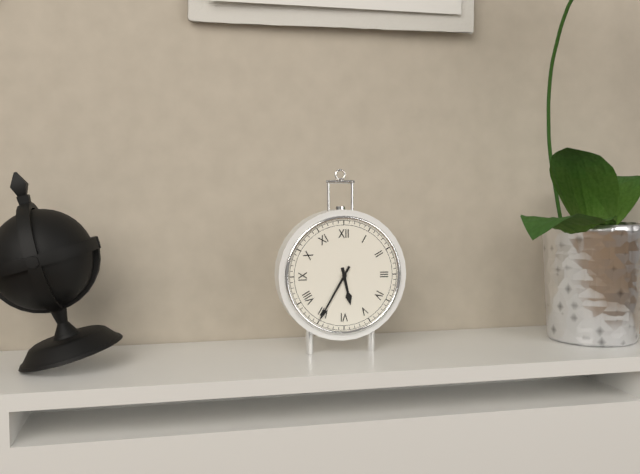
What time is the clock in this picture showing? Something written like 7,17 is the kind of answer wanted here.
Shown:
5,35
